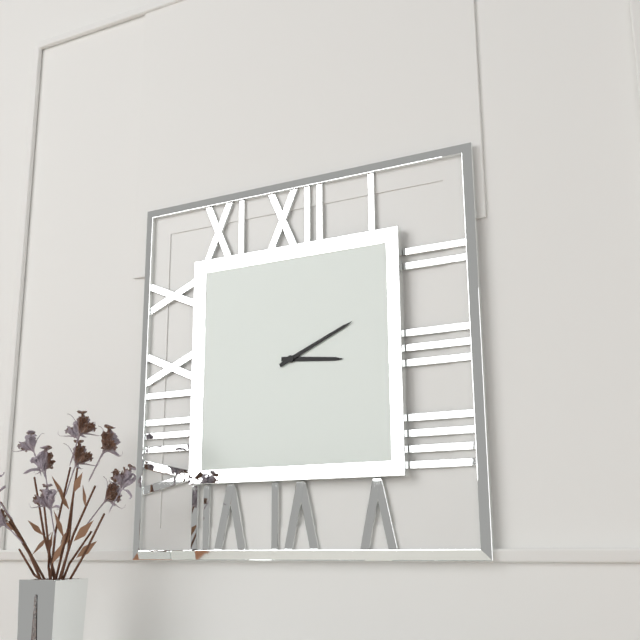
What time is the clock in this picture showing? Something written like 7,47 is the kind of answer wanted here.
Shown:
3,11
